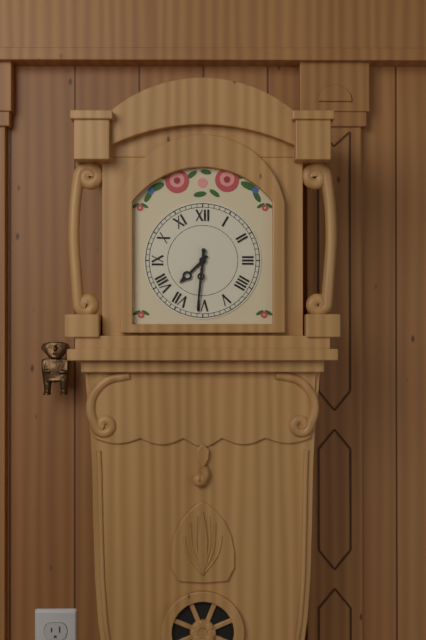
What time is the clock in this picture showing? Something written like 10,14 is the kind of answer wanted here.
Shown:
7,31
